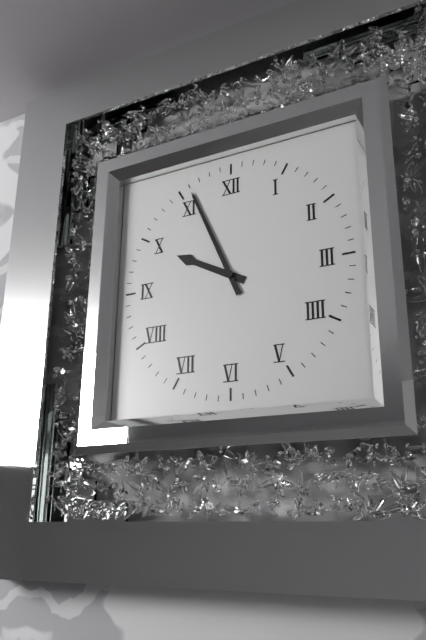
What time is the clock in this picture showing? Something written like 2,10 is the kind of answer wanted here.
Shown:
9,56
